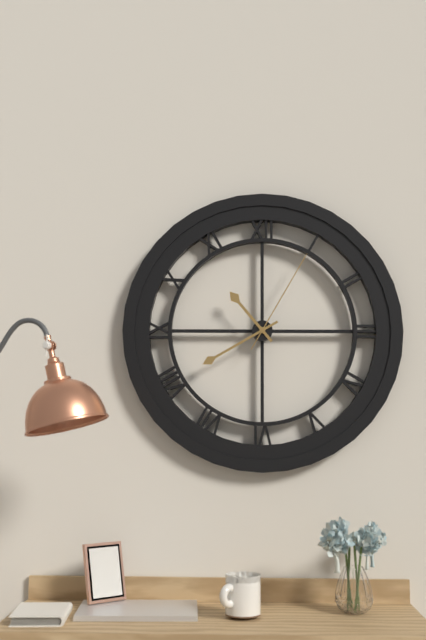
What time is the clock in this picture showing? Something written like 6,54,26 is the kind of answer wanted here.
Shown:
10,40,05
